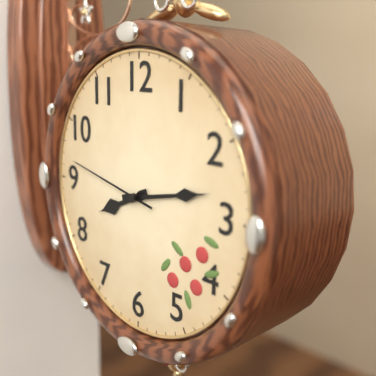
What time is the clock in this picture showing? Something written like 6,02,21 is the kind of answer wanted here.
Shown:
8,13,47
